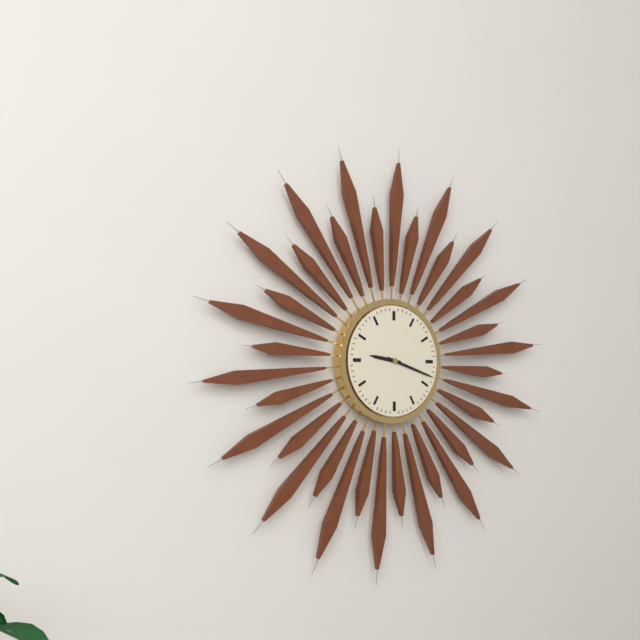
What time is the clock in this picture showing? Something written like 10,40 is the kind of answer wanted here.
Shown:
9,18
